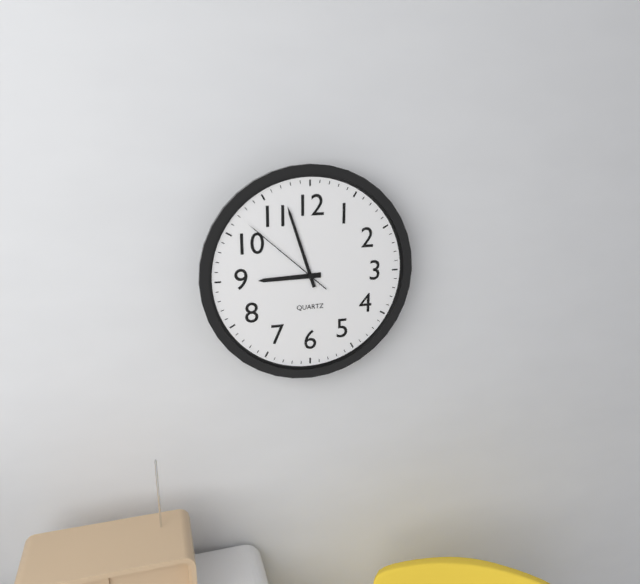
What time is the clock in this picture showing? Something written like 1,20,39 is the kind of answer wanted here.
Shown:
8,57,52
